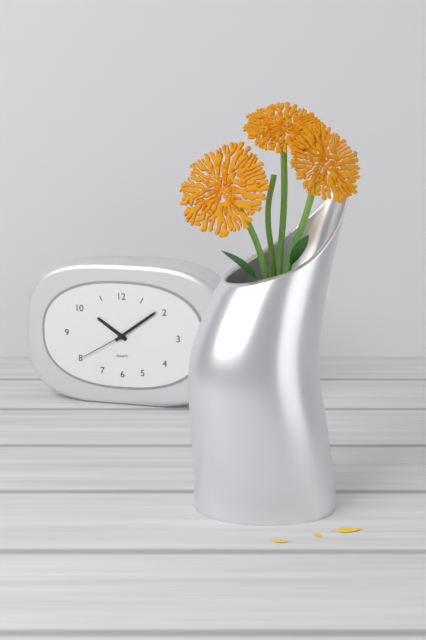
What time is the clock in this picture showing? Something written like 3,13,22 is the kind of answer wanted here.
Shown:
10,09,40
